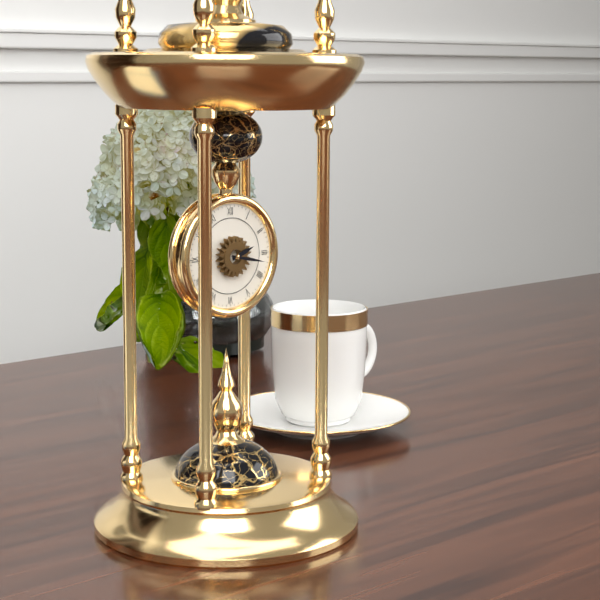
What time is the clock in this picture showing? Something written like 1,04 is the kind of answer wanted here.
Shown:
2,17
